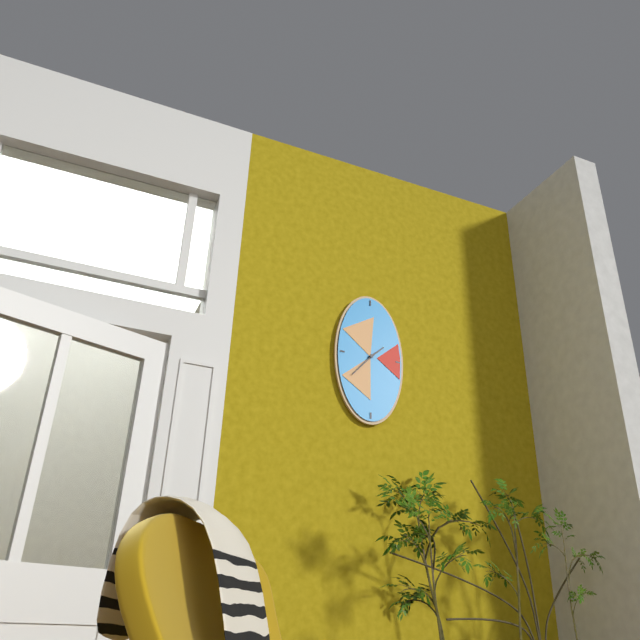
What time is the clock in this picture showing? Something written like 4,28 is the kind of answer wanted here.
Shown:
1,37
